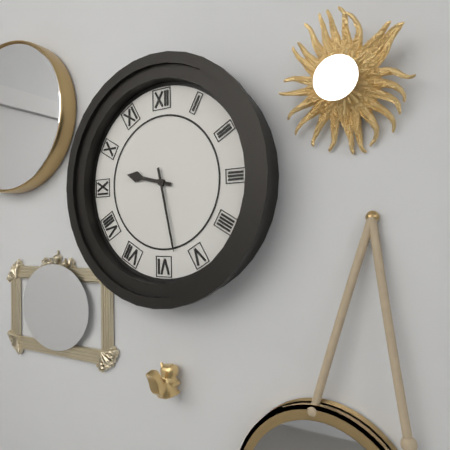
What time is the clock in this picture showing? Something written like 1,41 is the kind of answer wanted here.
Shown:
9,28
